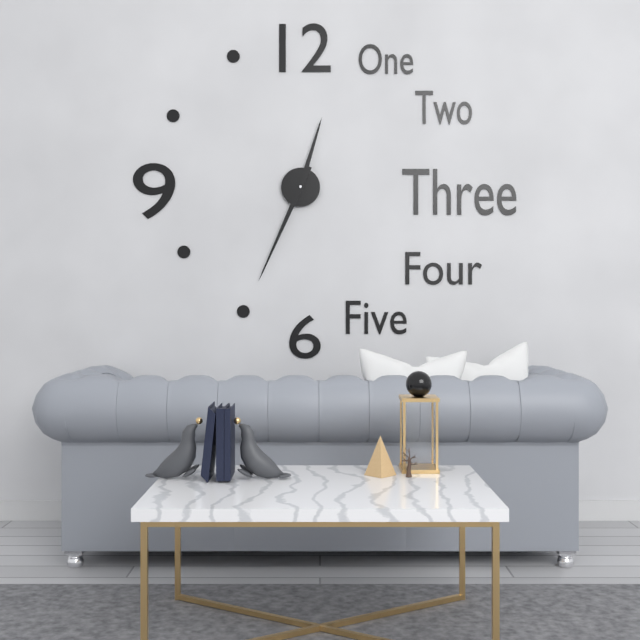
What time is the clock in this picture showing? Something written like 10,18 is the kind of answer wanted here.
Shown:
12,34
